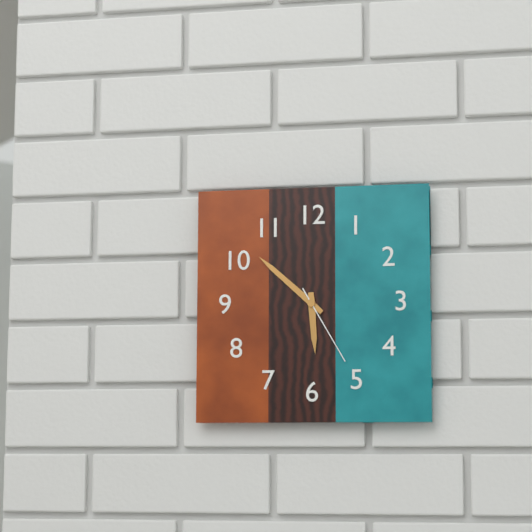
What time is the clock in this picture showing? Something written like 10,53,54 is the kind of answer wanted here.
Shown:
5,52,25
